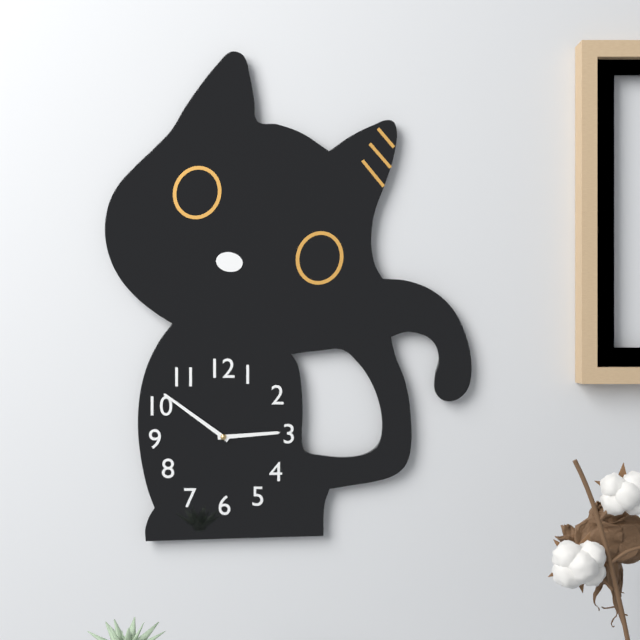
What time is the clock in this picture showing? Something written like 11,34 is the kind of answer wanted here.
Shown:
2,51
